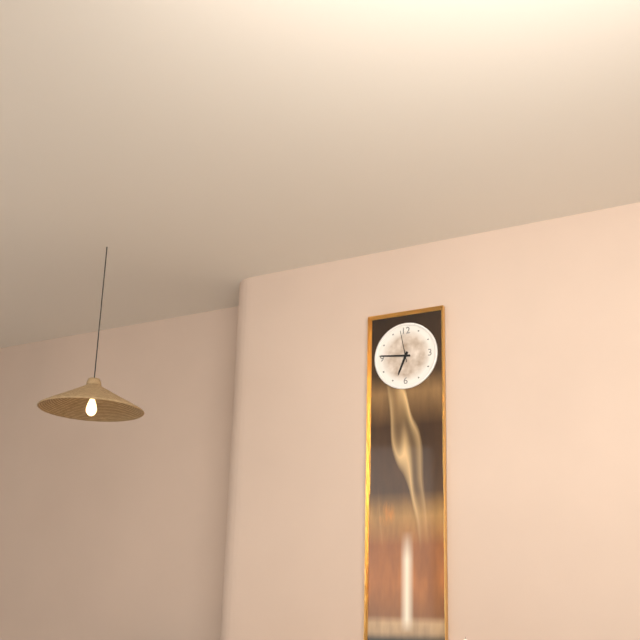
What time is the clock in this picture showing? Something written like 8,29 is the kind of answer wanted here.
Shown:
6,46
